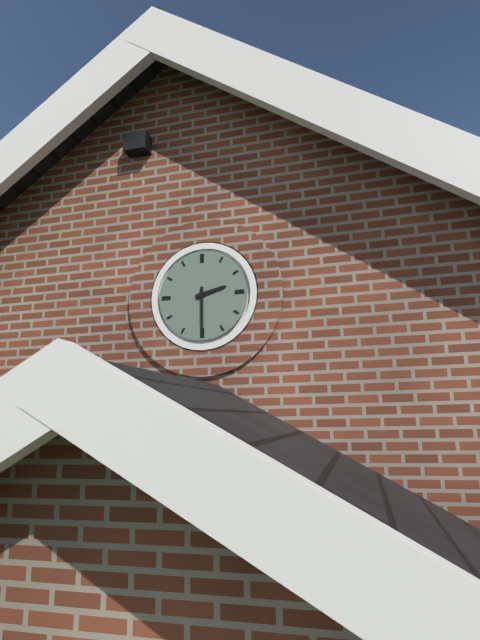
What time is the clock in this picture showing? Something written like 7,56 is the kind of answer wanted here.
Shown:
2,30
